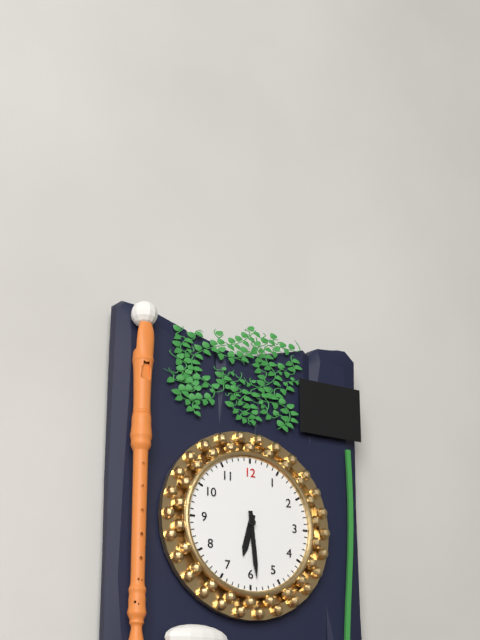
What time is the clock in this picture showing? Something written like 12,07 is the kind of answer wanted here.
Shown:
6,29
